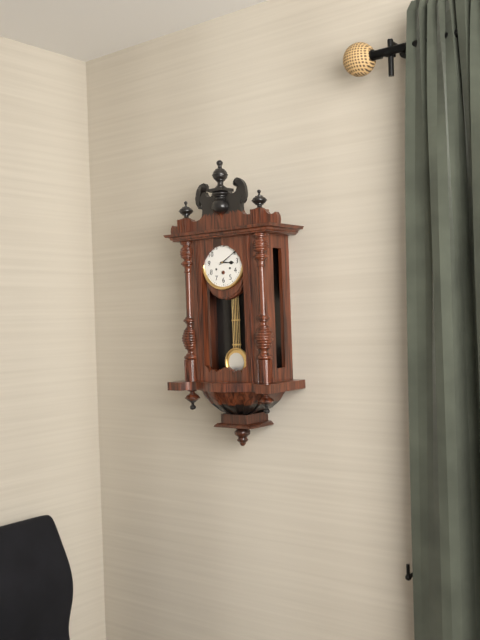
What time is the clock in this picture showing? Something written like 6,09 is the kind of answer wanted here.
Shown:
3,10
